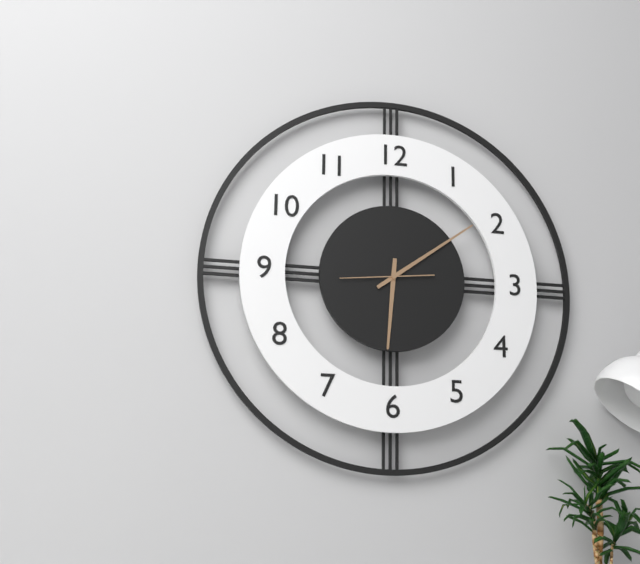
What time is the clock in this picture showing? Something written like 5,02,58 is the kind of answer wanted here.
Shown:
6,09,44
